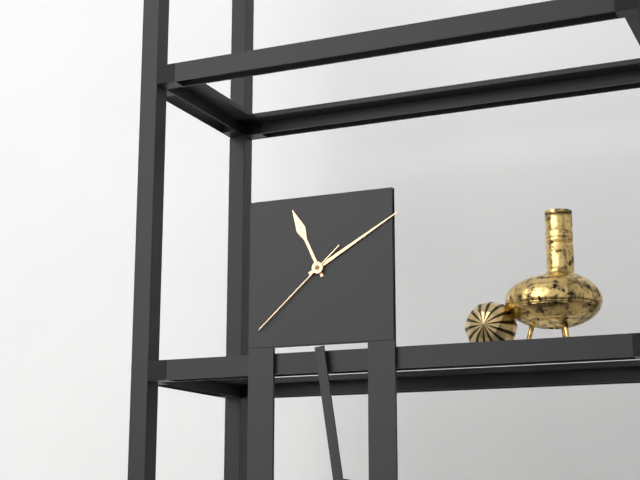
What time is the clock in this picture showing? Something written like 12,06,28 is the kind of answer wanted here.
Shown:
11,10,38
